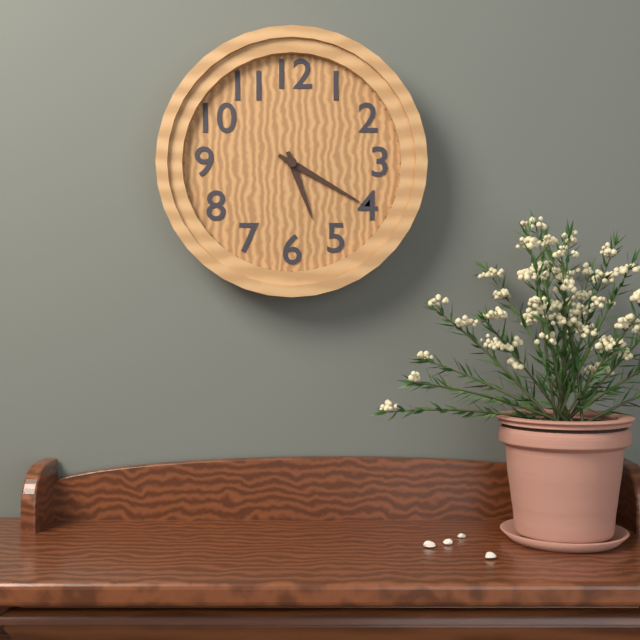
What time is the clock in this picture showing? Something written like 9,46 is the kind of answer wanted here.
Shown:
5,20
